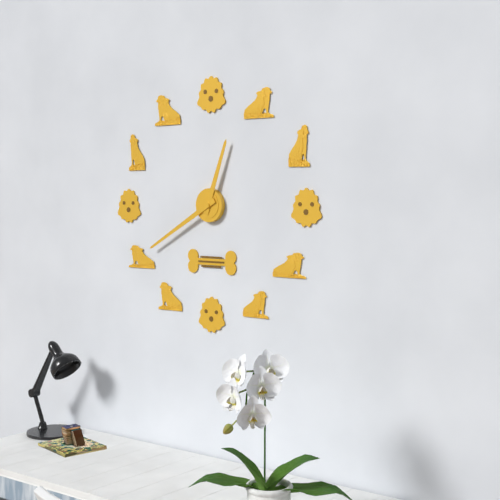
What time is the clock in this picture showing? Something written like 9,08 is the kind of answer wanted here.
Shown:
12,40
